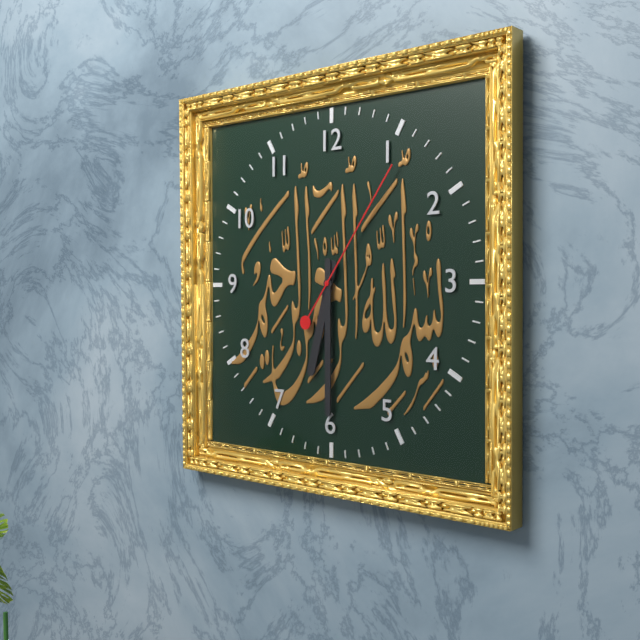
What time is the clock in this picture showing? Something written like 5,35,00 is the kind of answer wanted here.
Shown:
6,30,06
